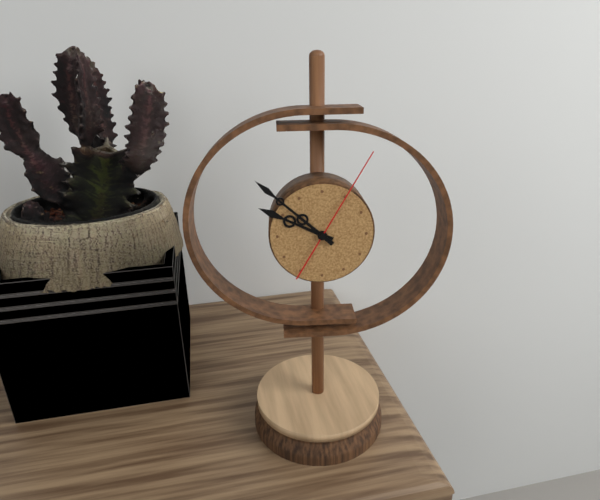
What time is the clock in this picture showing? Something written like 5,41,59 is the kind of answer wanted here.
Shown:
9,52,05
